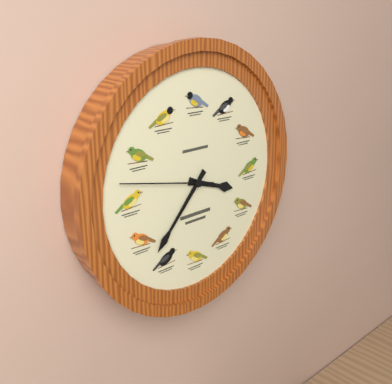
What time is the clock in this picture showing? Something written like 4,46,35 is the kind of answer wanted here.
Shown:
3,37,47
